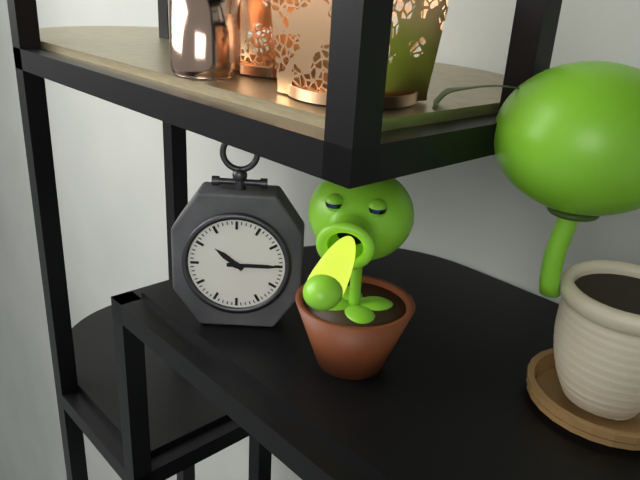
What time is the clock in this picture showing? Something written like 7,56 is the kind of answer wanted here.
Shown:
10,15
